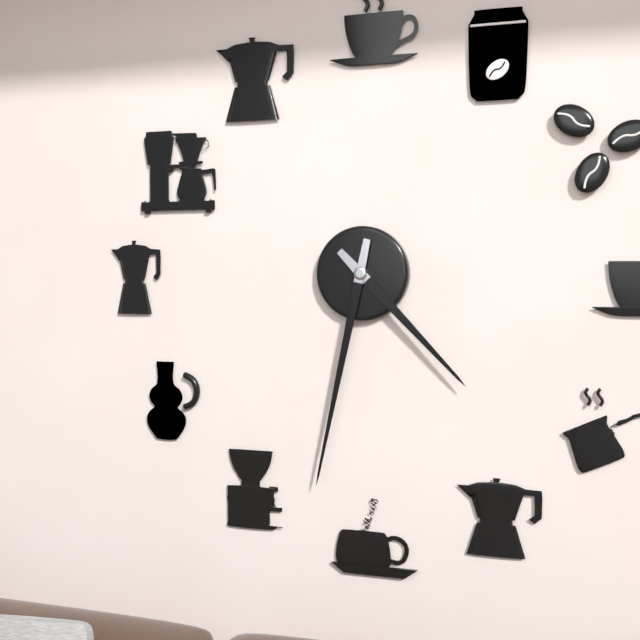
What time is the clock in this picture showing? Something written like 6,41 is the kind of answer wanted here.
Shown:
4,32
